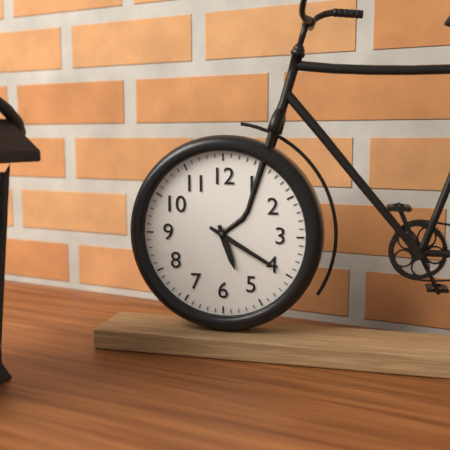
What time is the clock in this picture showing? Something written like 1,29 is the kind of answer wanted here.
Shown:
5,20
